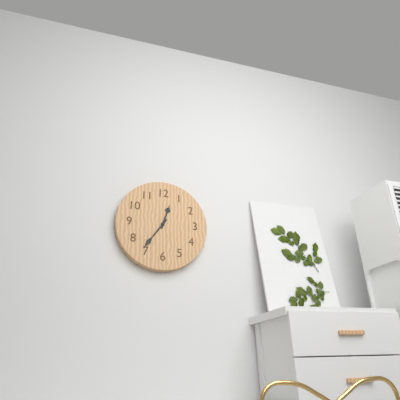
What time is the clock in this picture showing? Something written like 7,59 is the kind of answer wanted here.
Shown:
12,36
